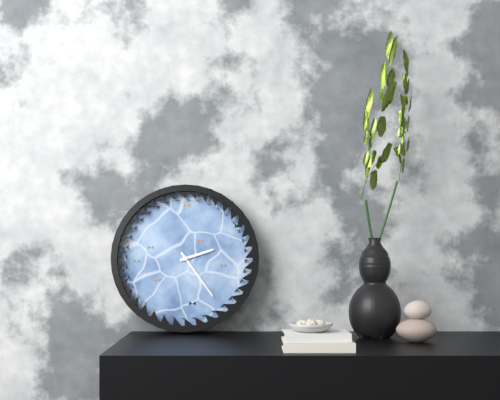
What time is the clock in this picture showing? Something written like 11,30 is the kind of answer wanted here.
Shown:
2,24
